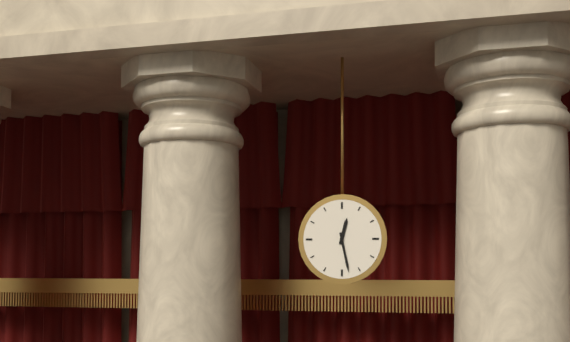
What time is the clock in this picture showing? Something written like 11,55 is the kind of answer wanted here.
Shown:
12,28
